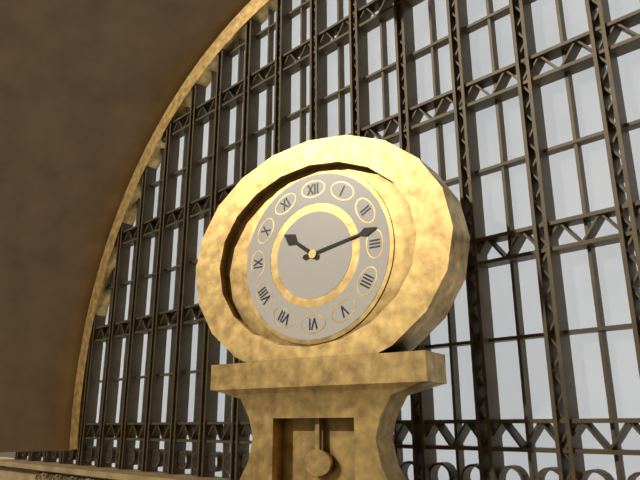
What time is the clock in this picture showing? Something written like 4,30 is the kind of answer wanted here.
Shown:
10,13
